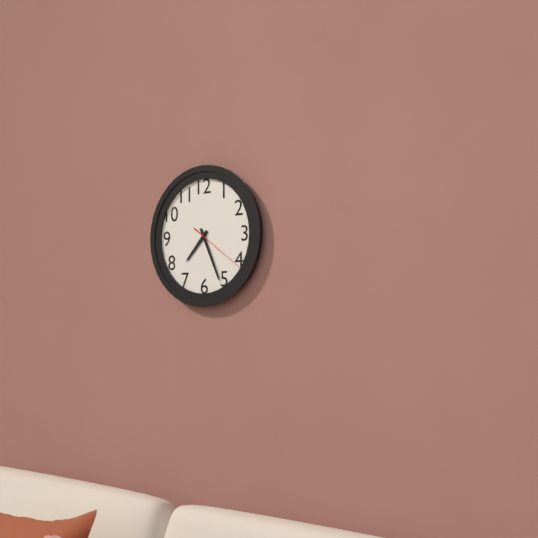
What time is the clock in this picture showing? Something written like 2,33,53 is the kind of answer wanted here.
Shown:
7,26,21
